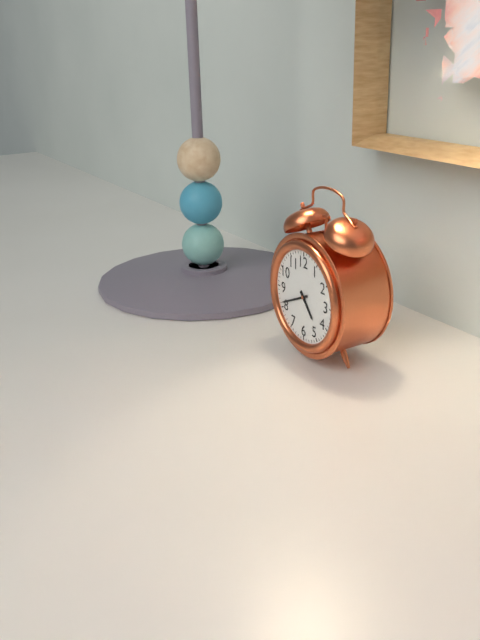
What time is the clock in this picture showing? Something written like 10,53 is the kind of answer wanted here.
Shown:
4,41
